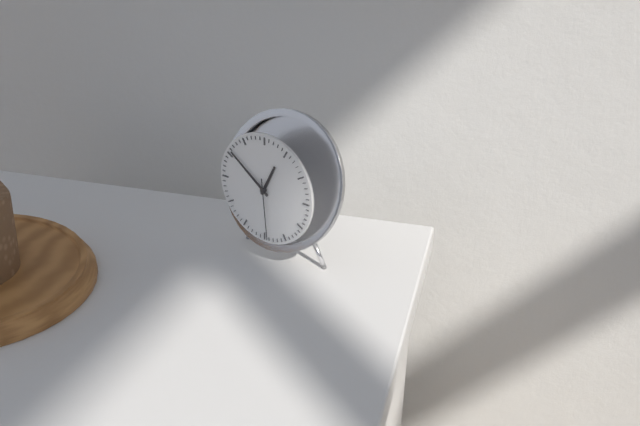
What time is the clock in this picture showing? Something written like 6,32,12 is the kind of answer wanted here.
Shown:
12,51,29
